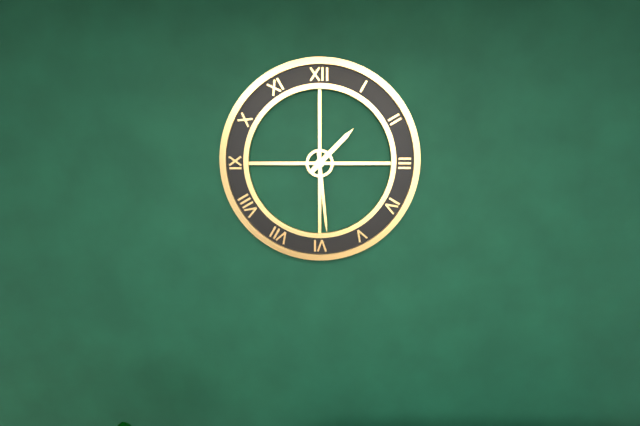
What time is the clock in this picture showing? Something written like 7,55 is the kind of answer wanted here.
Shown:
1,29
